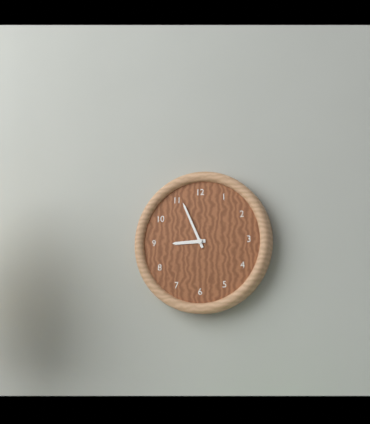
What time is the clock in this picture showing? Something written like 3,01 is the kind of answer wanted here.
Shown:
8,56
